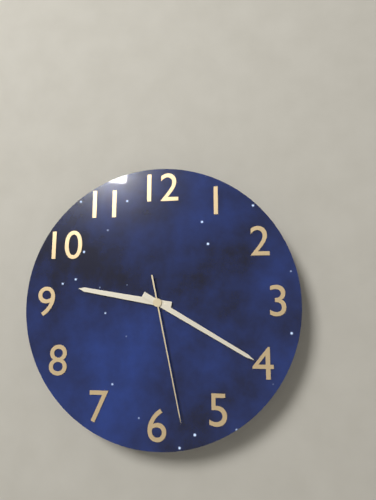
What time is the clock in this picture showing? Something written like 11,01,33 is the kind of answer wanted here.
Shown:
9,20,28
